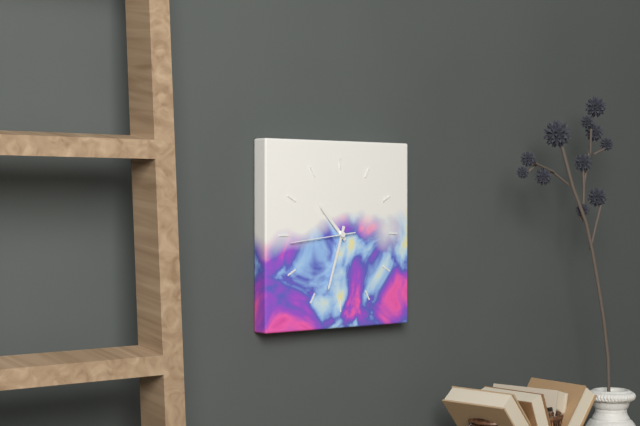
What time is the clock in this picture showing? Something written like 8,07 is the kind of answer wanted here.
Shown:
10,33
